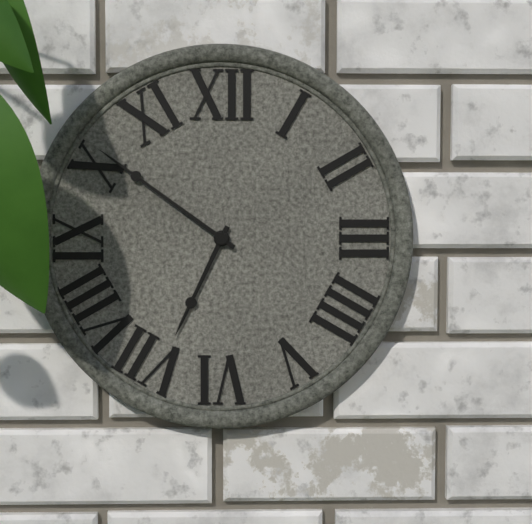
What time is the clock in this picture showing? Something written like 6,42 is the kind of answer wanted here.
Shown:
6,51
